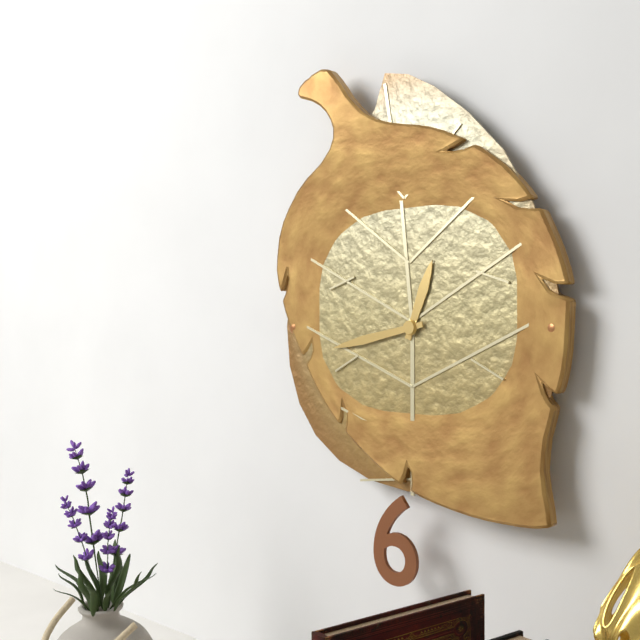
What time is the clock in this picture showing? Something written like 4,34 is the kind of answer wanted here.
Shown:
12,43
